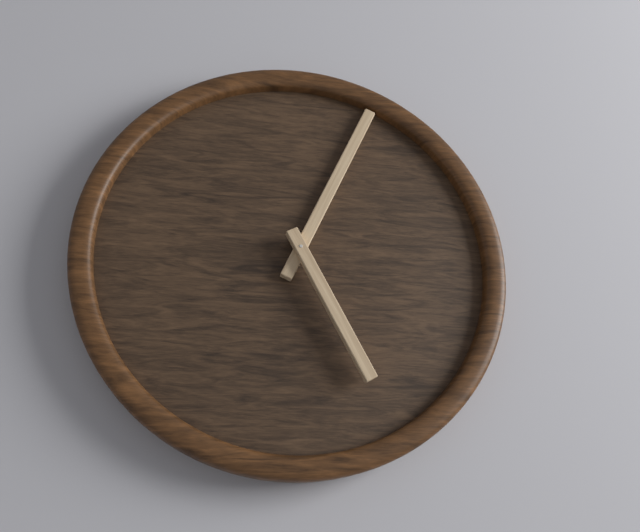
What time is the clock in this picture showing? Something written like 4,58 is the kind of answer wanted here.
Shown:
5,04
